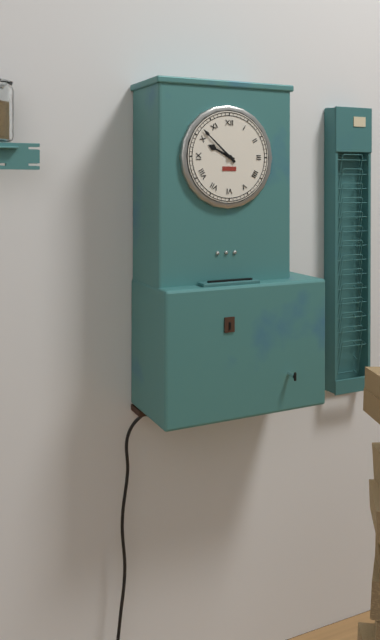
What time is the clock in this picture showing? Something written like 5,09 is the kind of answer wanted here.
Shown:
9,52
